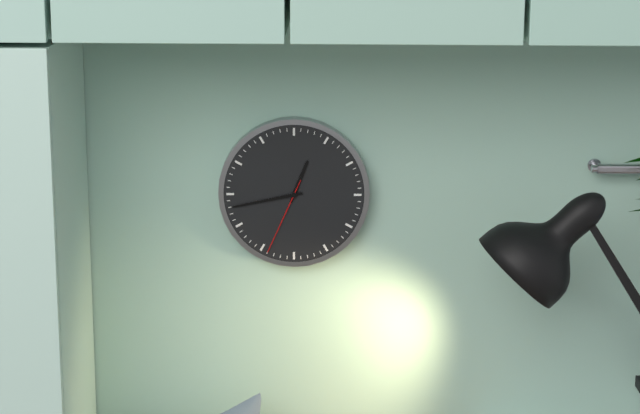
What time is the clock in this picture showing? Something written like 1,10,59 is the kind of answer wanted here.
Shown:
12,43,34
